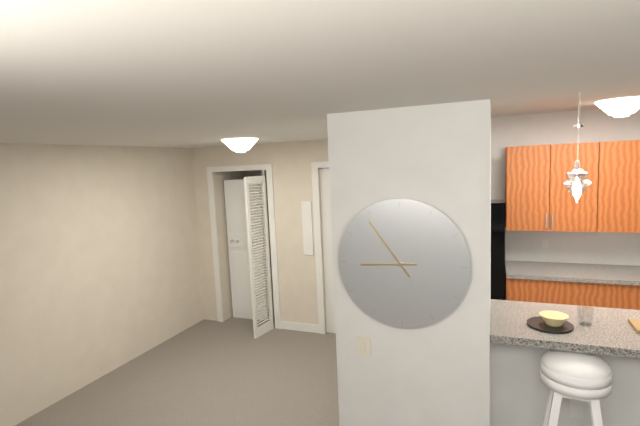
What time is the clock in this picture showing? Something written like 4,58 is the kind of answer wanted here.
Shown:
8,54
